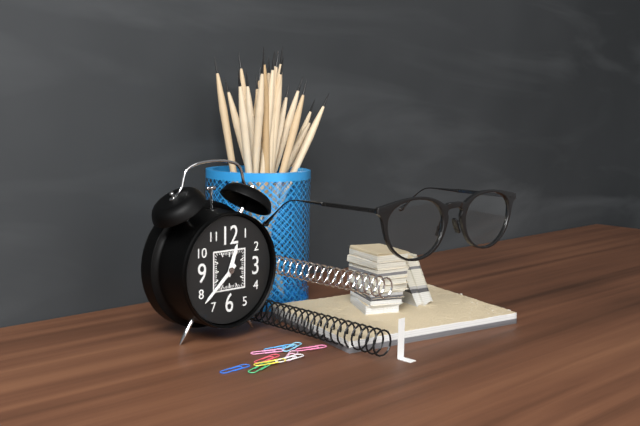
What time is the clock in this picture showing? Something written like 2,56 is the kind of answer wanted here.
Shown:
12,38
